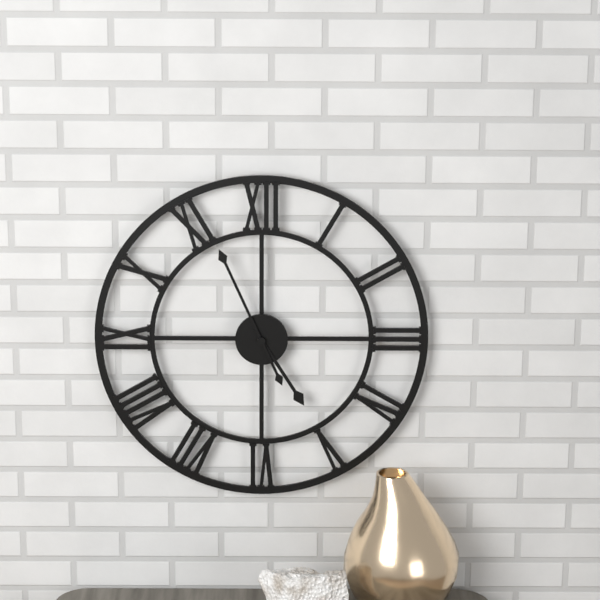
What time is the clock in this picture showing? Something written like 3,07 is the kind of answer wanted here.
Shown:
4,56
